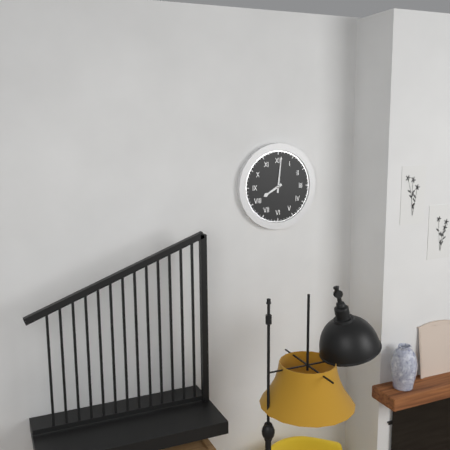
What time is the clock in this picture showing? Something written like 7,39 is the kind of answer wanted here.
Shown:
8,01
